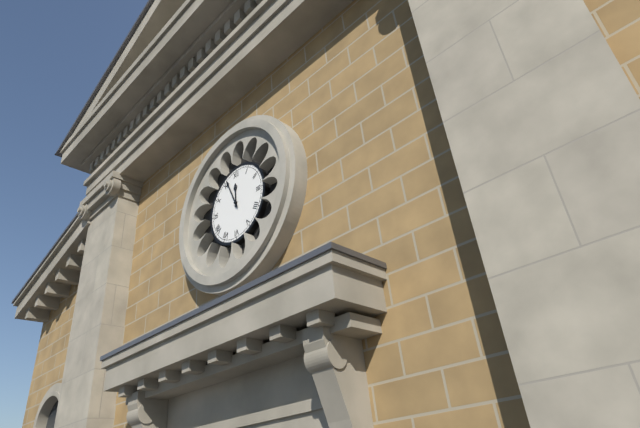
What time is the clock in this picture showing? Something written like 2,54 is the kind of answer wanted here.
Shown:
11,56
